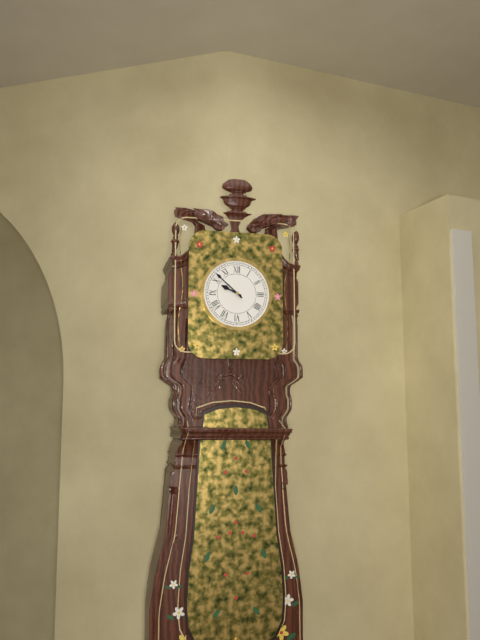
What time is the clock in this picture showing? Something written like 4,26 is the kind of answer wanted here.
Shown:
9,52
